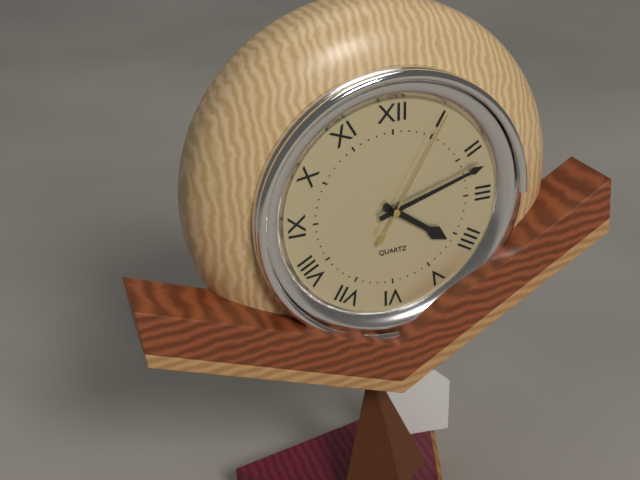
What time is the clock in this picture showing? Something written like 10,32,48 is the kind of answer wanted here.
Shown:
4,12,05
